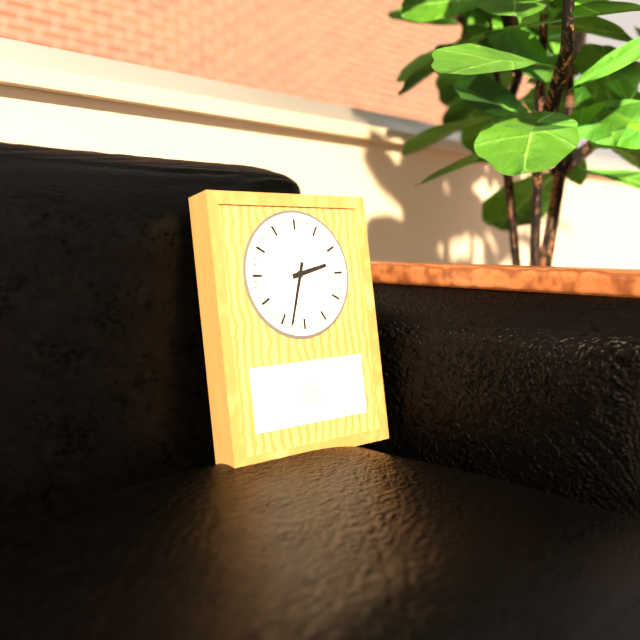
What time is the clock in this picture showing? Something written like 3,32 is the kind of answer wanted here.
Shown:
2,33
